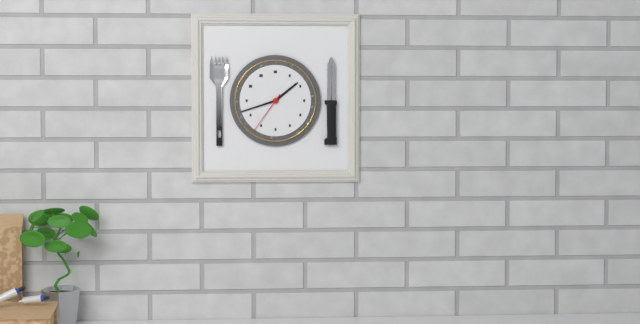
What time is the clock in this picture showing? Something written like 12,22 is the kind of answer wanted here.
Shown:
1,42
